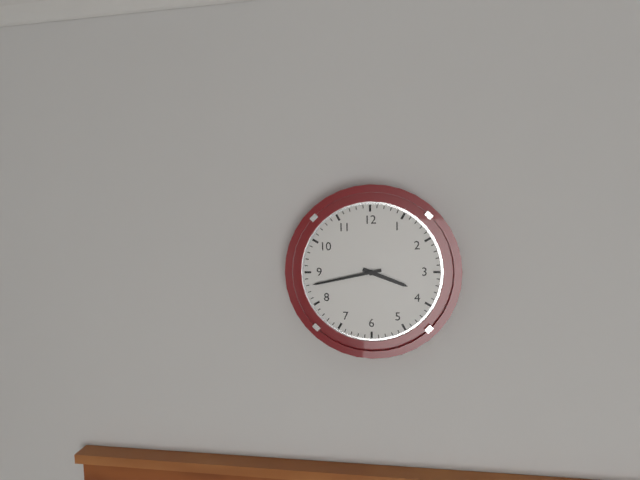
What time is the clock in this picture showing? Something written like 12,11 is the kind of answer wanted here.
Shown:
3,43
